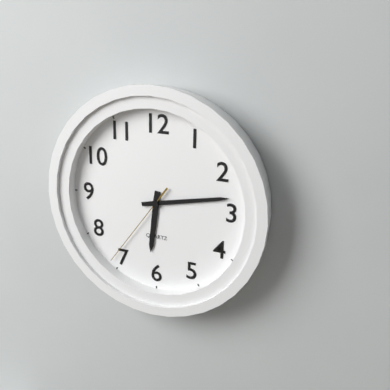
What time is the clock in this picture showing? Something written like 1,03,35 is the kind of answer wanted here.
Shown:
6,13,36
